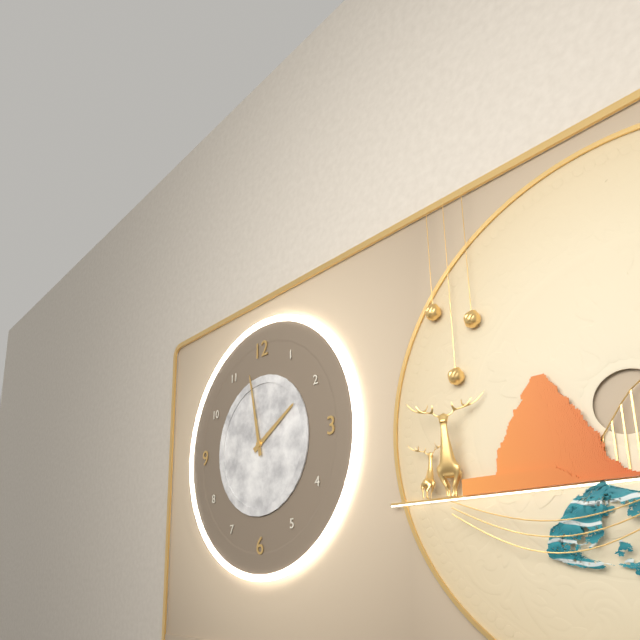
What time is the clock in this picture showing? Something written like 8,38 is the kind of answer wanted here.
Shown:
1,58
